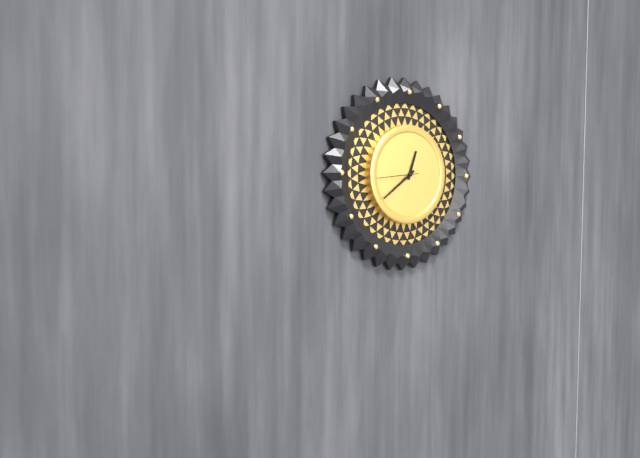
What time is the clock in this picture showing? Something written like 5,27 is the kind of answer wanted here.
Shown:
12,39
